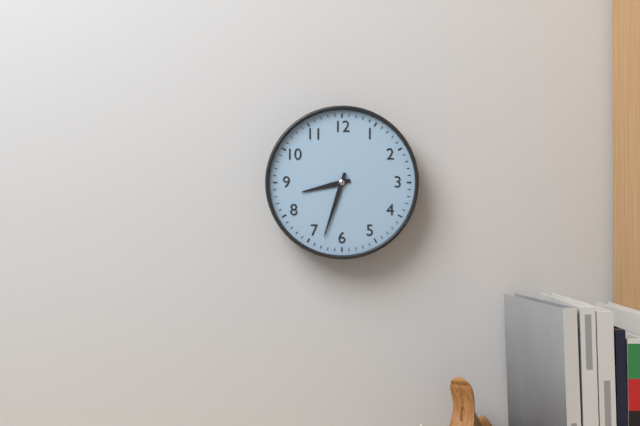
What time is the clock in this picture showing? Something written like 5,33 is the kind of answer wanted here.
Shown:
8,33
